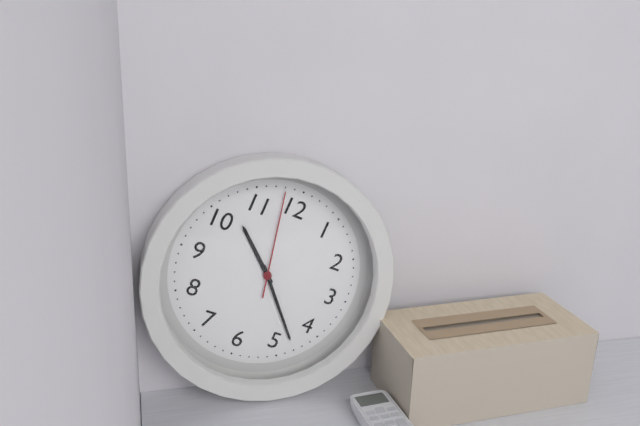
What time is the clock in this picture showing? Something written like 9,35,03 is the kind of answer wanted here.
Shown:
10,23,58
